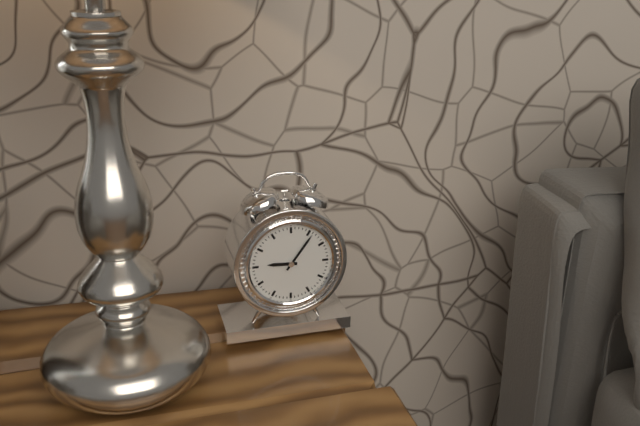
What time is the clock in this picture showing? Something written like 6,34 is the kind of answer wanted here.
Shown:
9,06
